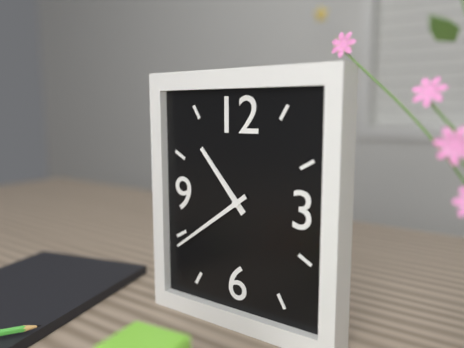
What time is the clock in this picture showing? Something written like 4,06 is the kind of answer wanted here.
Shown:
10,39
